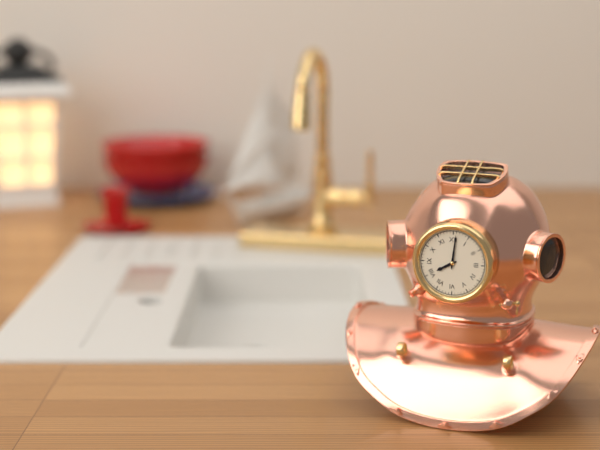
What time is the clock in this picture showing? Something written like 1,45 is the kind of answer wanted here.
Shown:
8,01
